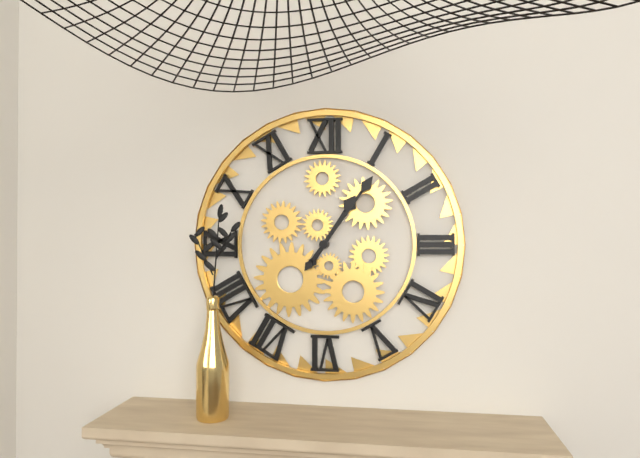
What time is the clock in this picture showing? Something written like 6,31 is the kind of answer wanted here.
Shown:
1,06
